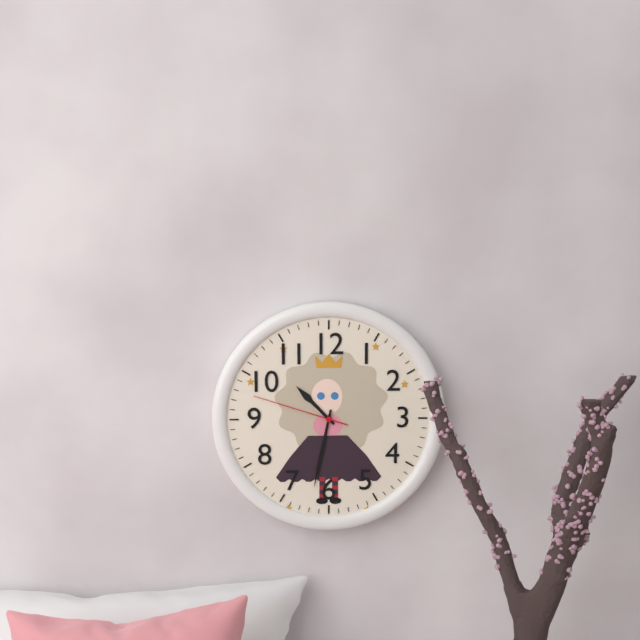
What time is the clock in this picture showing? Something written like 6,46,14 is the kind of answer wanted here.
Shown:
10,32,48
